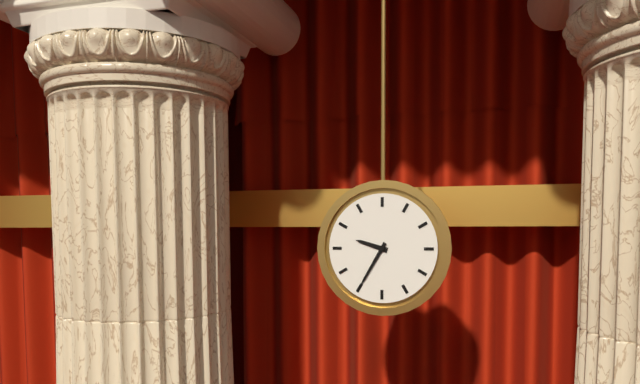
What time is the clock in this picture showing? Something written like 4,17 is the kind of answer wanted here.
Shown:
9,35
